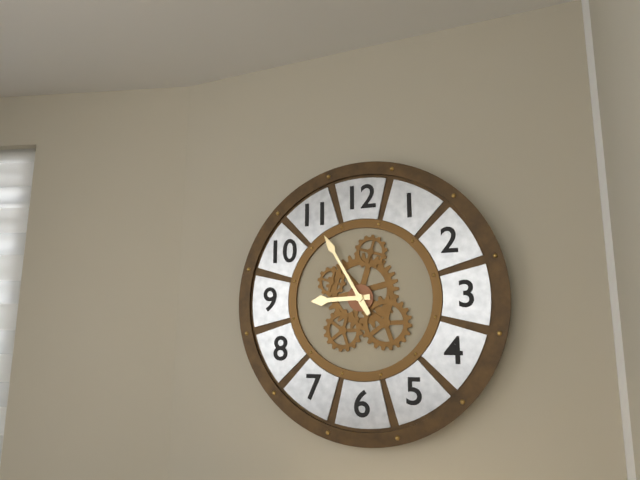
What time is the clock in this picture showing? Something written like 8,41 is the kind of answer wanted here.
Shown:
8,55
